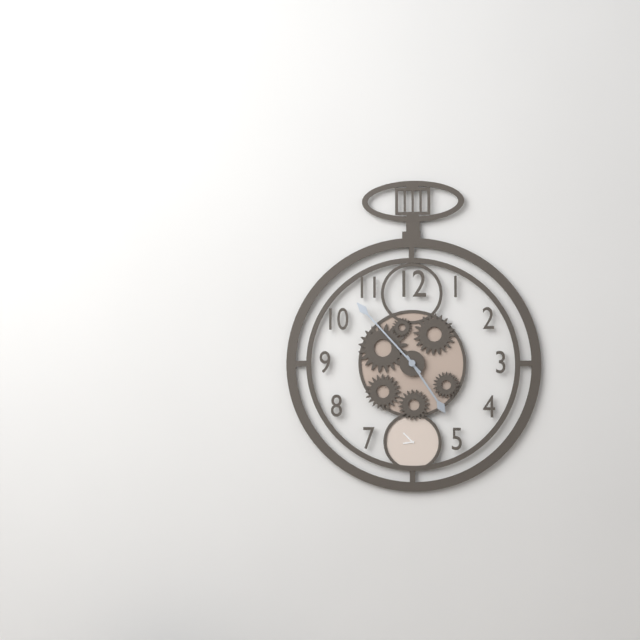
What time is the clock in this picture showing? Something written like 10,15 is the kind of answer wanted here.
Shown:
4,53
